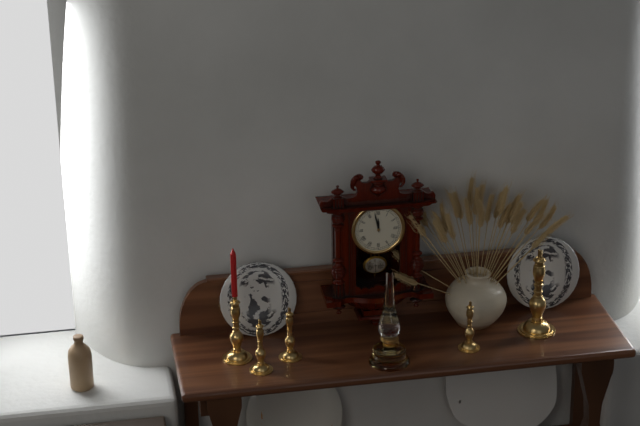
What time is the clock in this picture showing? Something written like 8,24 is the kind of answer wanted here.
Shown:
11,58
